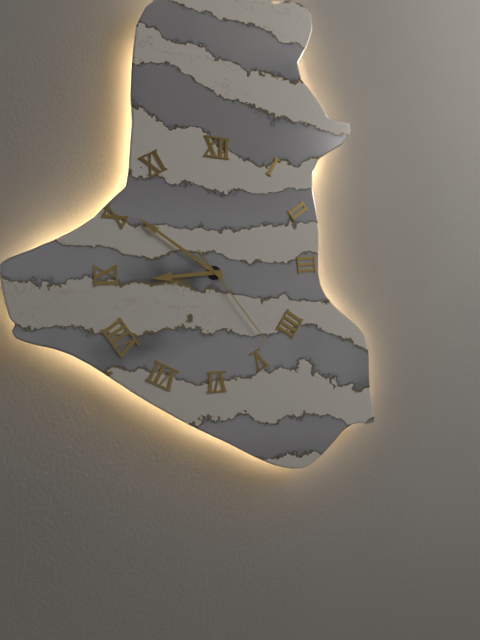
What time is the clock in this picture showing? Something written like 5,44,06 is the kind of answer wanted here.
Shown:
8,51,24
